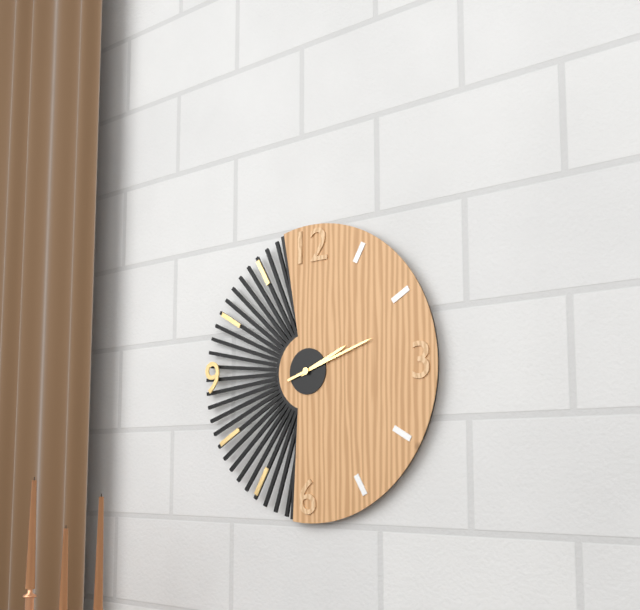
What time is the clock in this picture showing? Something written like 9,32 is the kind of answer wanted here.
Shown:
2,12
